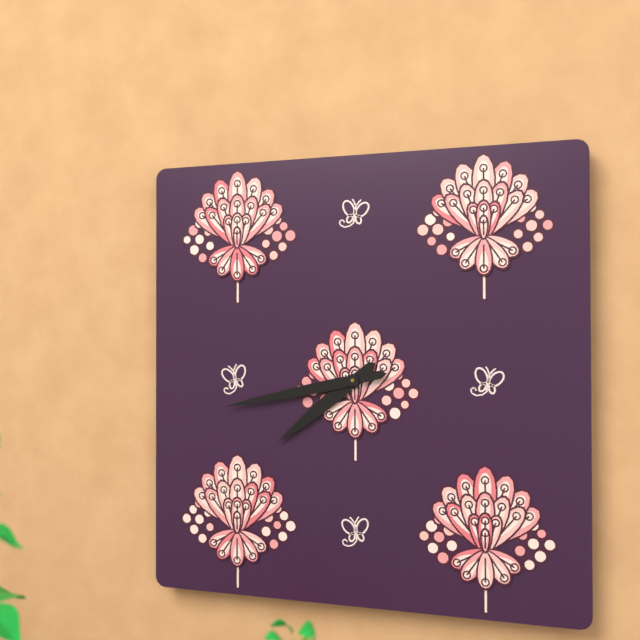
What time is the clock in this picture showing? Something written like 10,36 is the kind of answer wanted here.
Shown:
7,43
